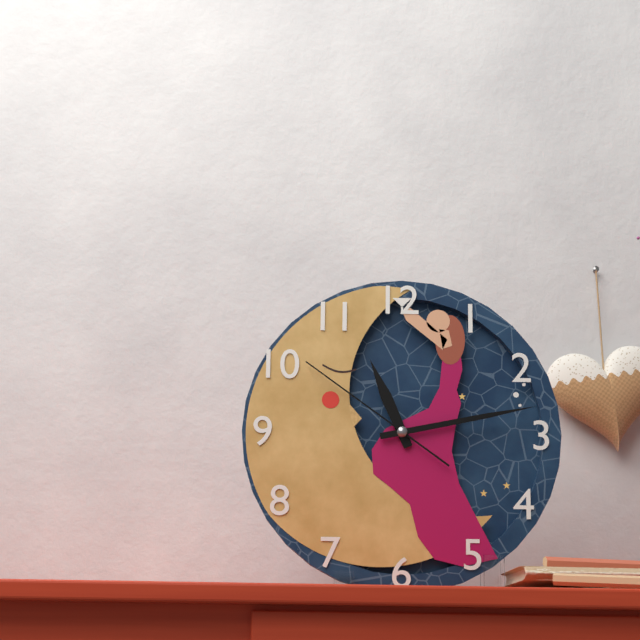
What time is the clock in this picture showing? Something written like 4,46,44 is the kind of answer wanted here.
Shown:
11,13,51
